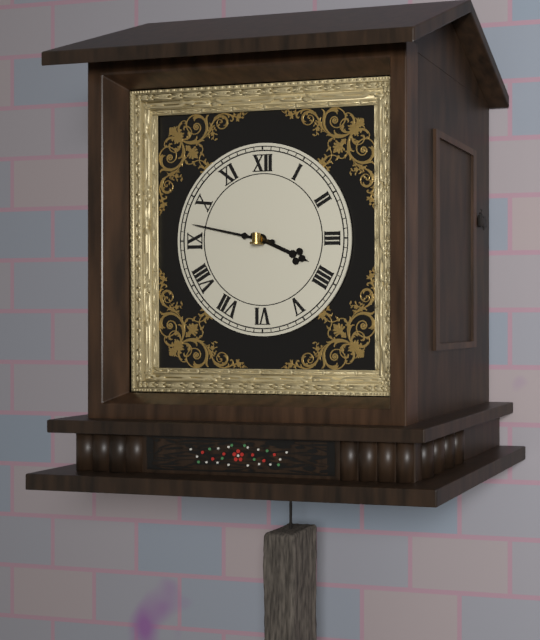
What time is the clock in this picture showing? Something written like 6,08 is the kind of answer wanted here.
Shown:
3,47
